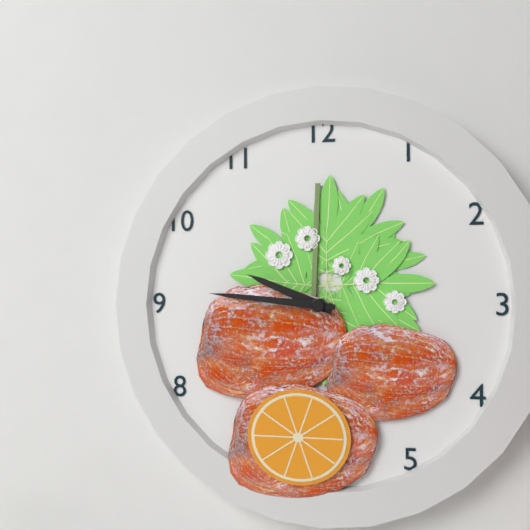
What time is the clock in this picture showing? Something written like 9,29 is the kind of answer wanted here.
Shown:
9,46
